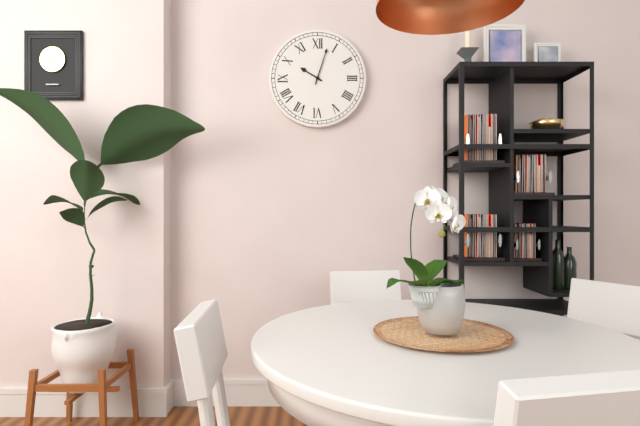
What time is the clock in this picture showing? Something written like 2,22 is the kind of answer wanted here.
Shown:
10,03
